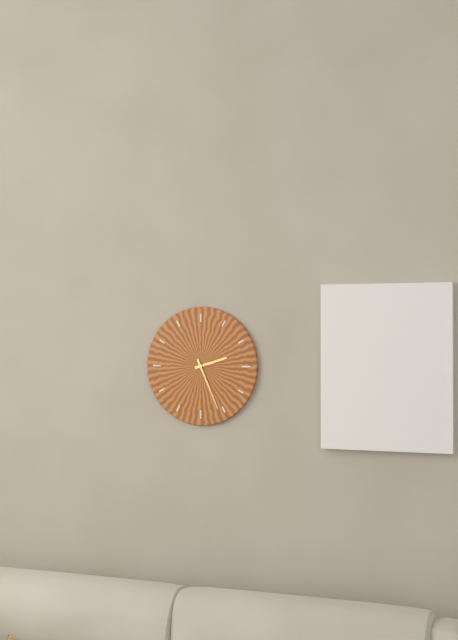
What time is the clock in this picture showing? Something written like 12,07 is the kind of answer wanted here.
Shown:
2,26
